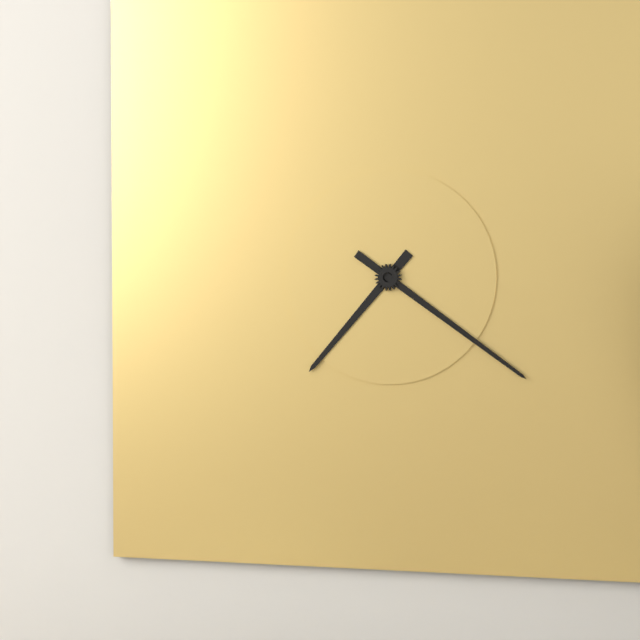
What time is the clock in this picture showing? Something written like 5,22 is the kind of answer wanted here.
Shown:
7,21
